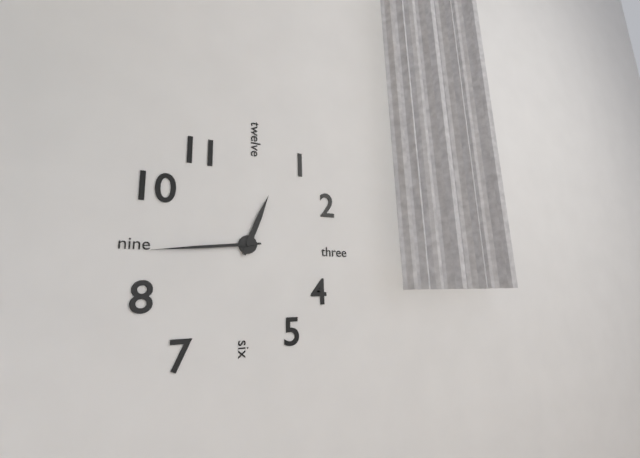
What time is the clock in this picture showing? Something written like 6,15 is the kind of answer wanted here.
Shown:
12,44
